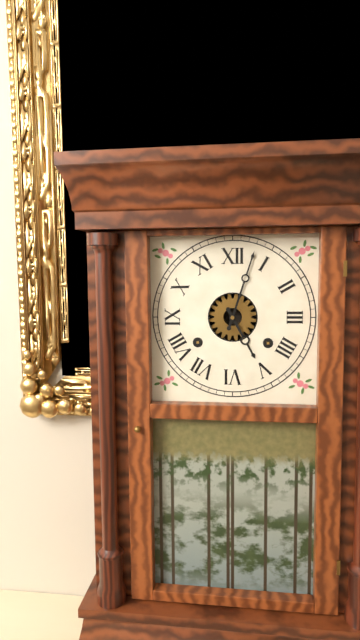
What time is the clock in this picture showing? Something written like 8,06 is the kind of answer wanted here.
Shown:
5,03
